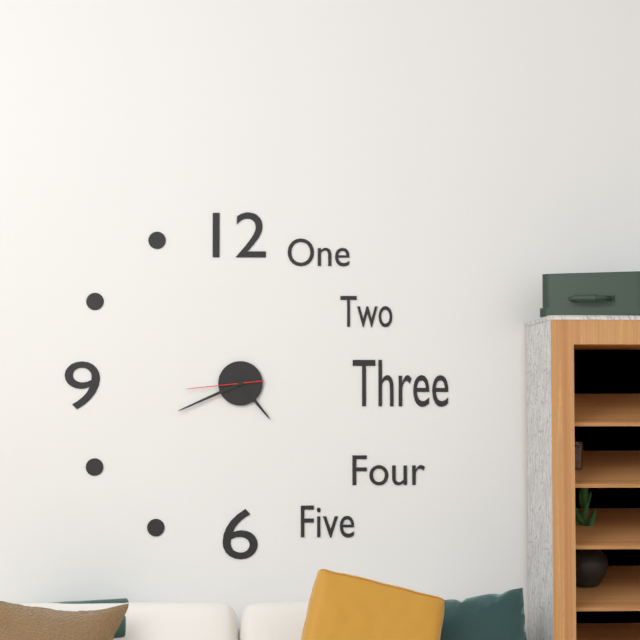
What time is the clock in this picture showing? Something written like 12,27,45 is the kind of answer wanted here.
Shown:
4,41,44
